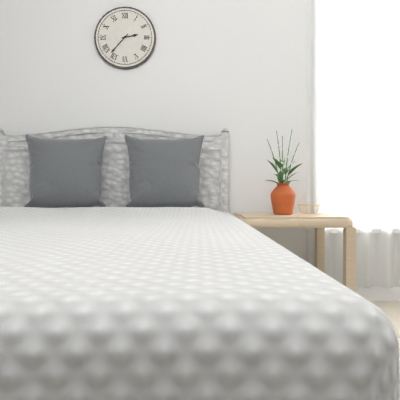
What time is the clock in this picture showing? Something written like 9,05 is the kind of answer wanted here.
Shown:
2,37
